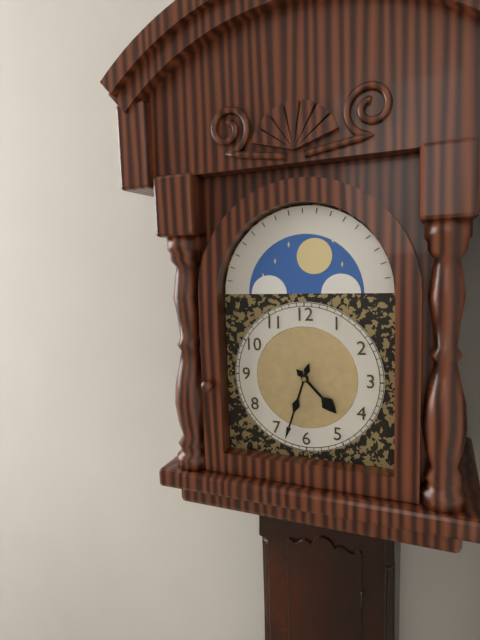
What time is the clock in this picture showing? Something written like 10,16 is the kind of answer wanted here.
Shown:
4,33
